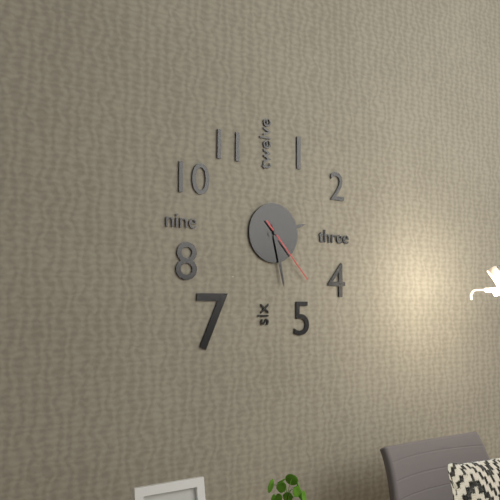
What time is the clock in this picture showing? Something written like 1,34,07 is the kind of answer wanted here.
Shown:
2,28,23
